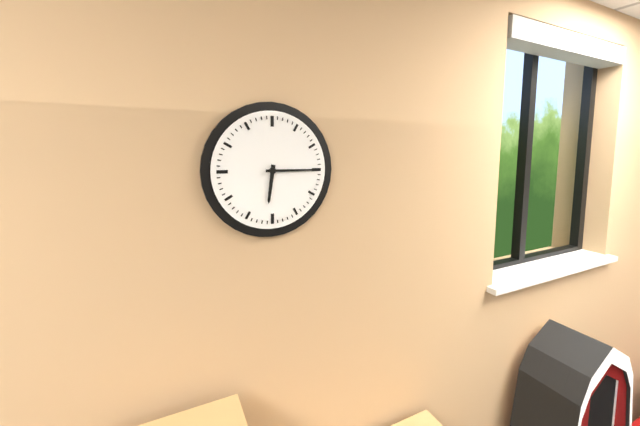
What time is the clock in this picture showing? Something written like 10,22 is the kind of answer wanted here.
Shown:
6,15
